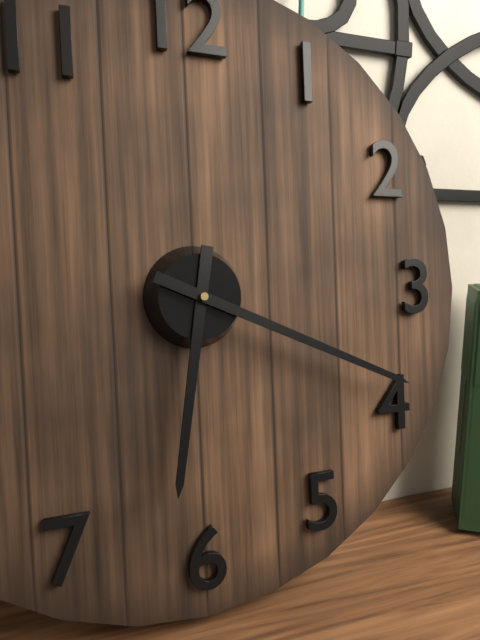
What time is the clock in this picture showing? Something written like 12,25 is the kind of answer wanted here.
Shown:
6,19
